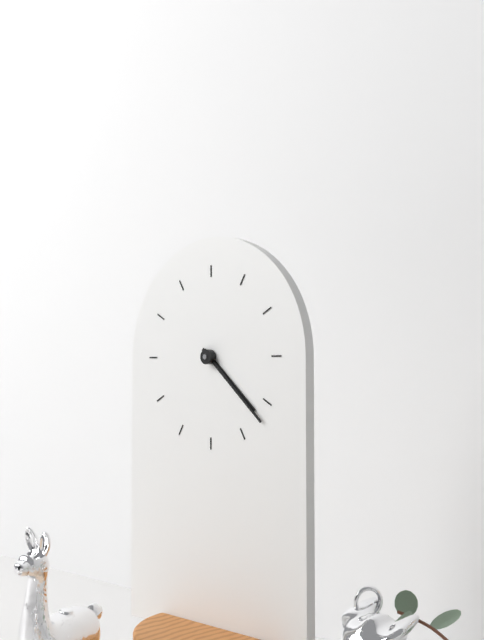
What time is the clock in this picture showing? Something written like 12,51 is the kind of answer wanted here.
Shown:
4,22
